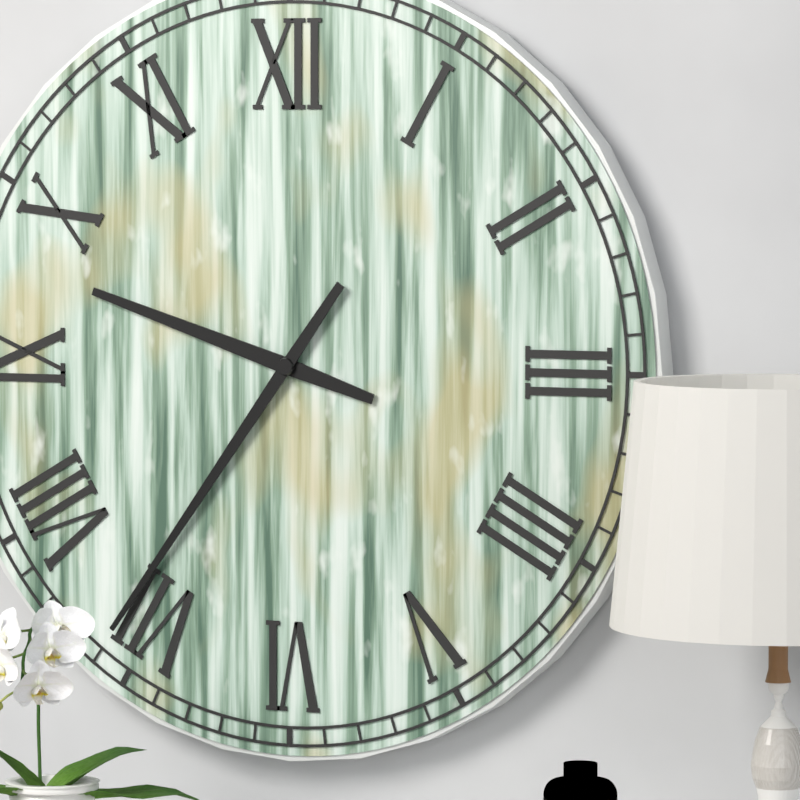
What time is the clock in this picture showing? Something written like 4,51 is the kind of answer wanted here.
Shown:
9,36
